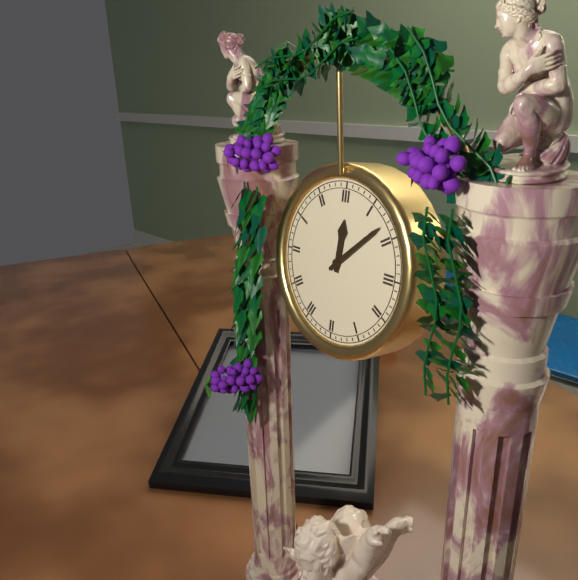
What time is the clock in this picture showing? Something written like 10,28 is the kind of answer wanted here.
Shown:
12,08
